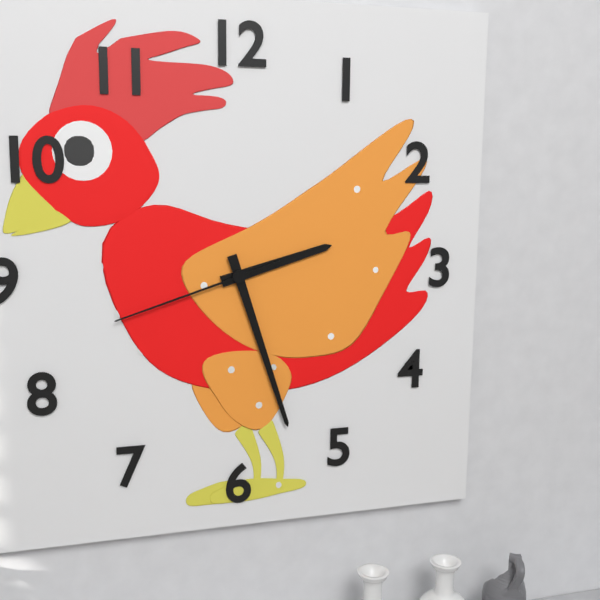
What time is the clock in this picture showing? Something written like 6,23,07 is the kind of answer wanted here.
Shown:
2,27,42
